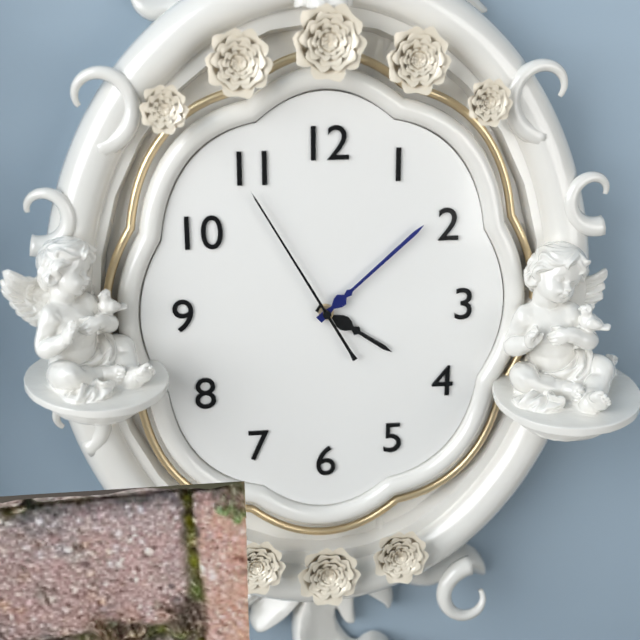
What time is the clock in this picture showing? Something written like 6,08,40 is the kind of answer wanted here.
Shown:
4,08,55
